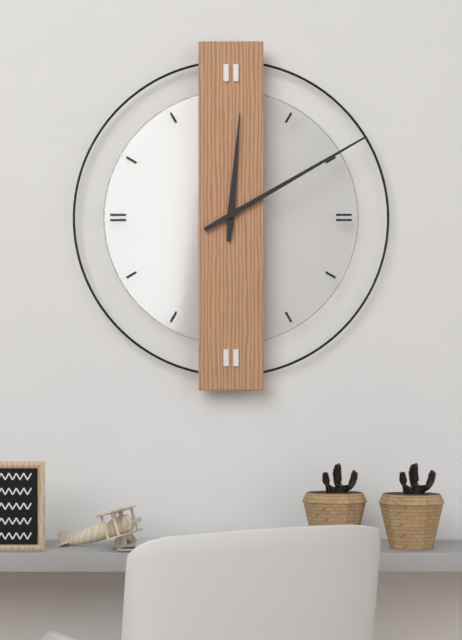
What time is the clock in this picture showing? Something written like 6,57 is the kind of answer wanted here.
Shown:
12,10
